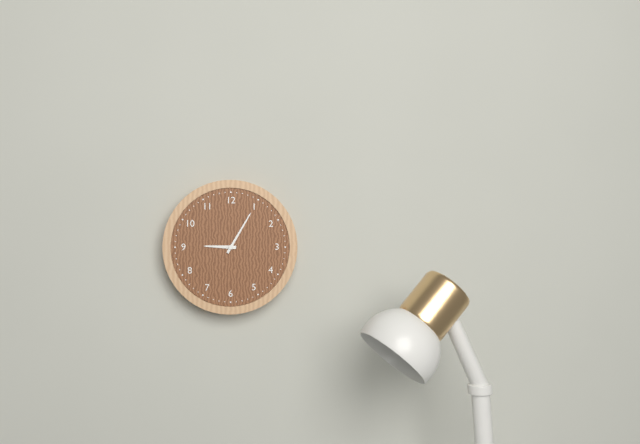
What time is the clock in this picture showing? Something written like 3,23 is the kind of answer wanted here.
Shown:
9,05
